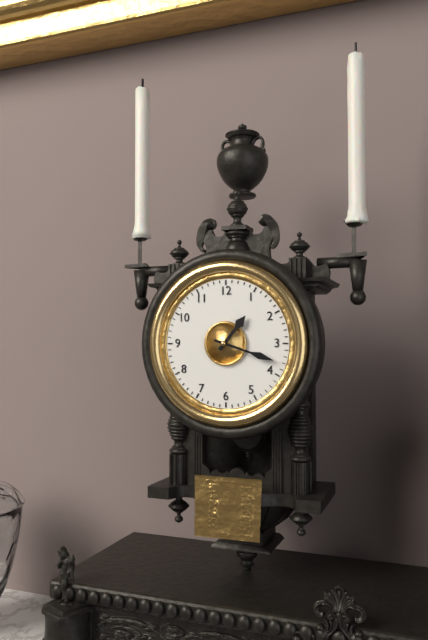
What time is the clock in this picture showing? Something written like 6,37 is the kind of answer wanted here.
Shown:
1,18
